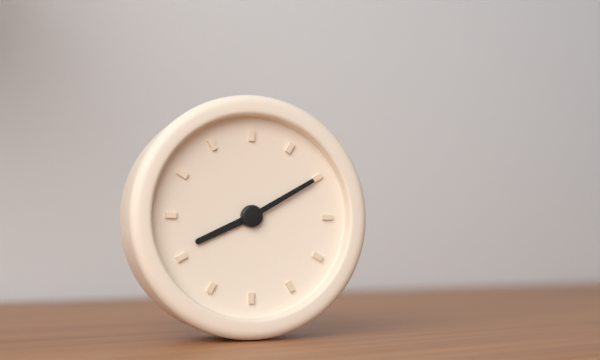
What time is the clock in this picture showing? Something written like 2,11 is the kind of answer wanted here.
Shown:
8,10
